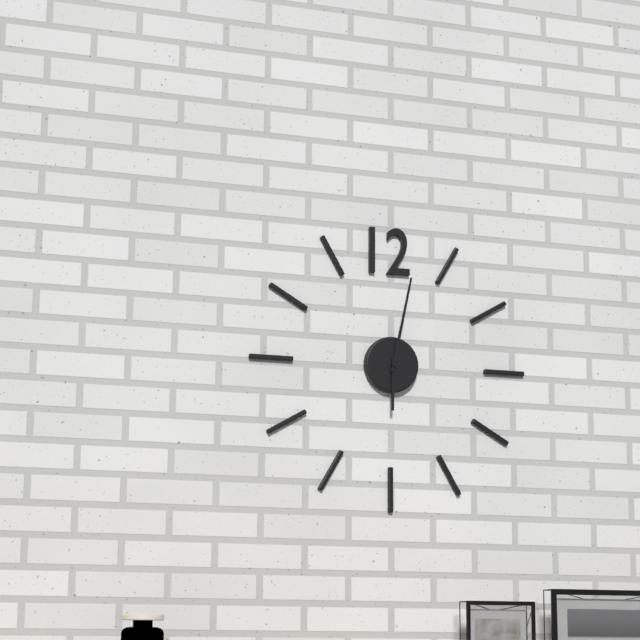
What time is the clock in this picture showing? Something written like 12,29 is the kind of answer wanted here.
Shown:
6,02
